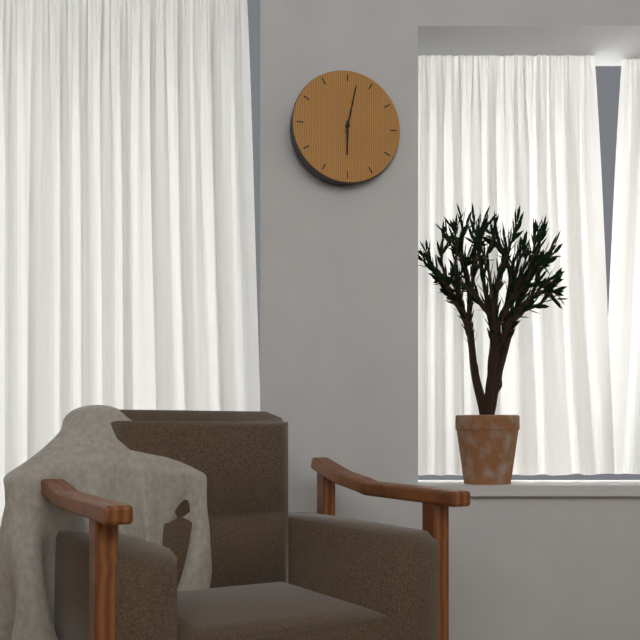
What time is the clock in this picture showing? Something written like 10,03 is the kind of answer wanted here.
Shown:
6,02
